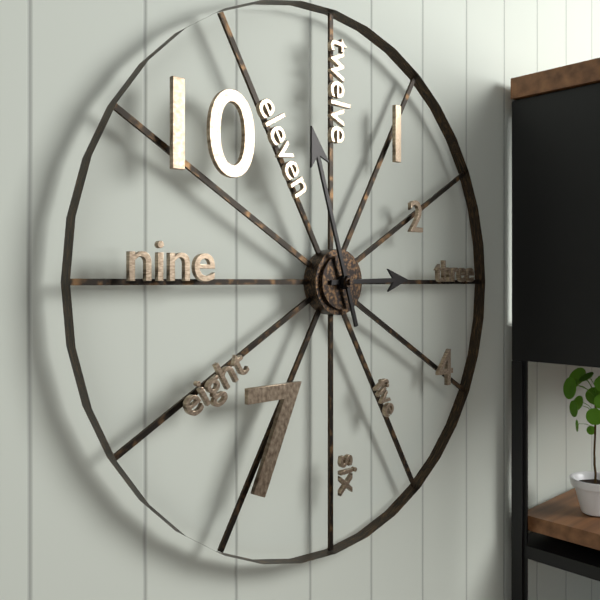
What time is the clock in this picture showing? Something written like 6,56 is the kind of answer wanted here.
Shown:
2,57
